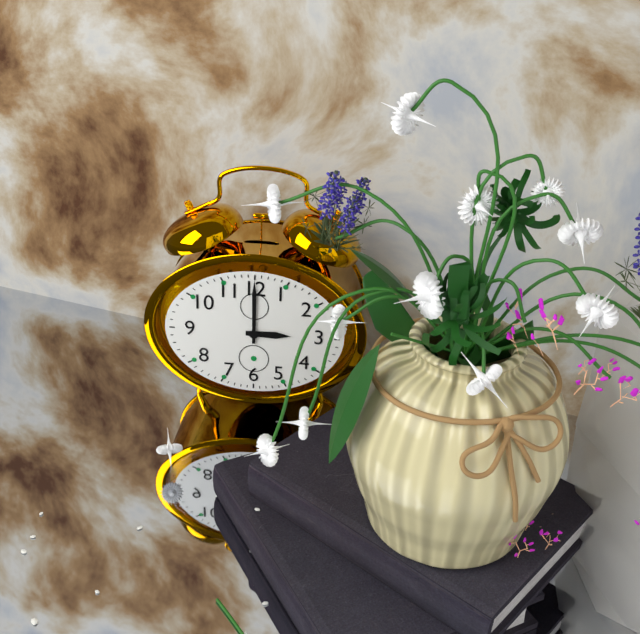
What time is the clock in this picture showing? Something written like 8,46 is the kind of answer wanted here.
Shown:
3,00
